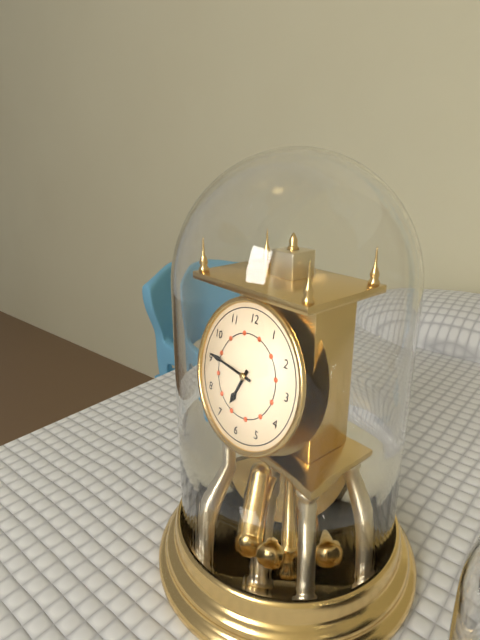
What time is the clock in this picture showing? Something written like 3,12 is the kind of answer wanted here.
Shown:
6,46
